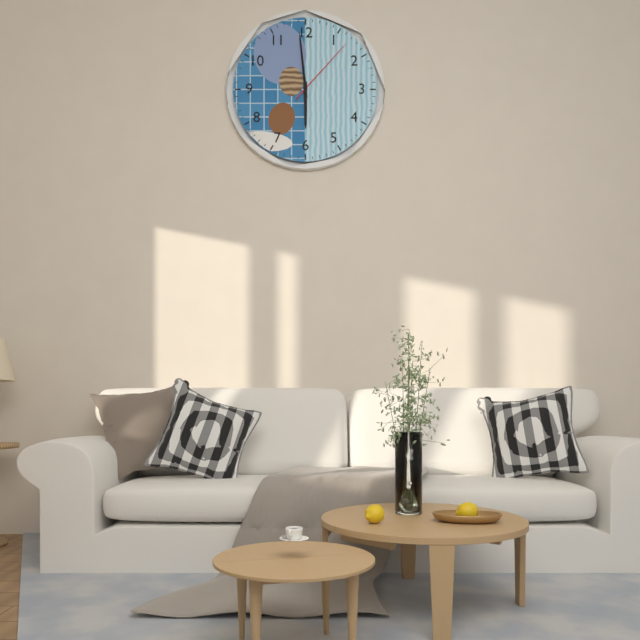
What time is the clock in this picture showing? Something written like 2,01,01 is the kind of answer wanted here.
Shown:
5,59,07
